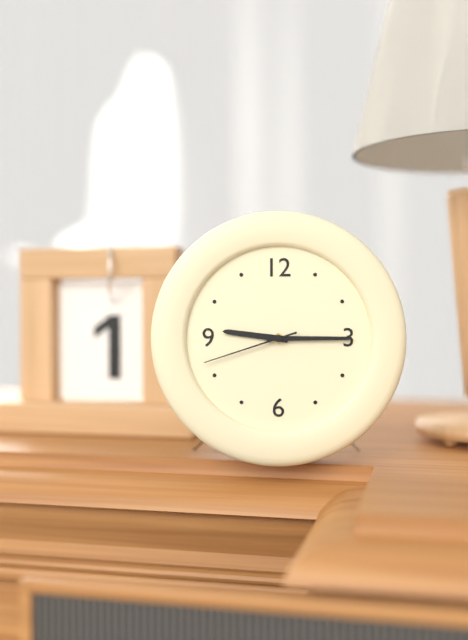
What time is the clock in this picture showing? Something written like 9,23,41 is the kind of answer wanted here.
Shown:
9,15,42
